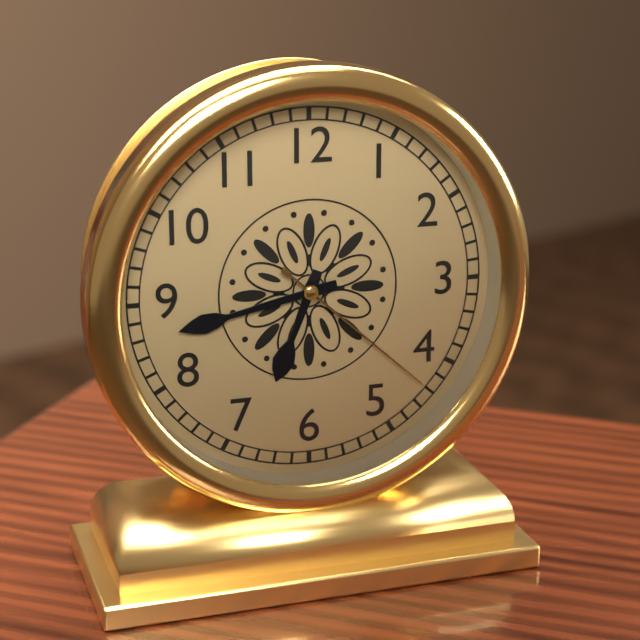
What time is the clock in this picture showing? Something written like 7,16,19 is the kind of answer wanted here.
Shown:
6,43,22
